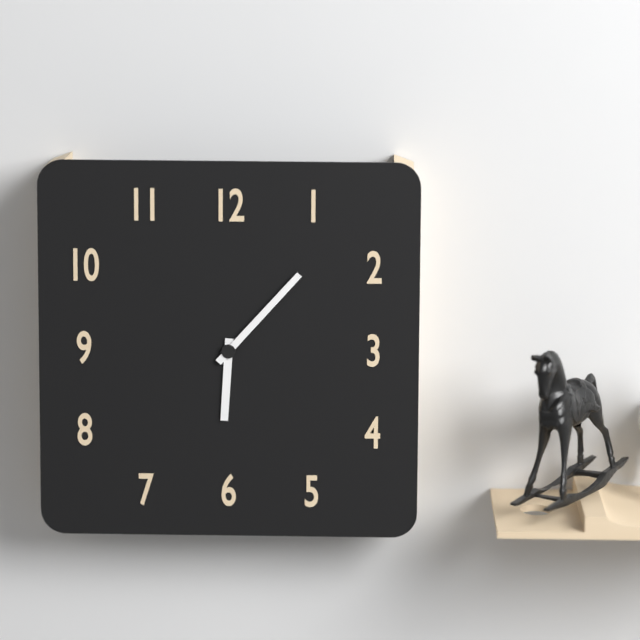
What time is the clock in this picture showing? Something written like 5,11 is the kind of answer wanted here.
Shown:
6,07
